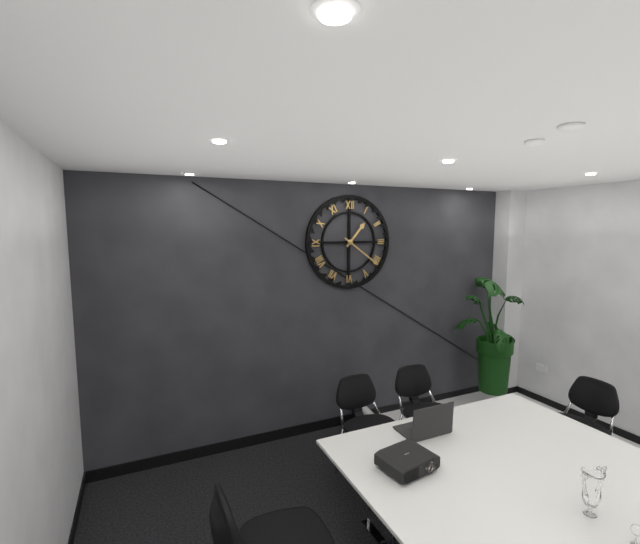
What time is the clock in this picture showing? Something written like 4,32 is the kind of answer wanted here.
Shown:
1,21
